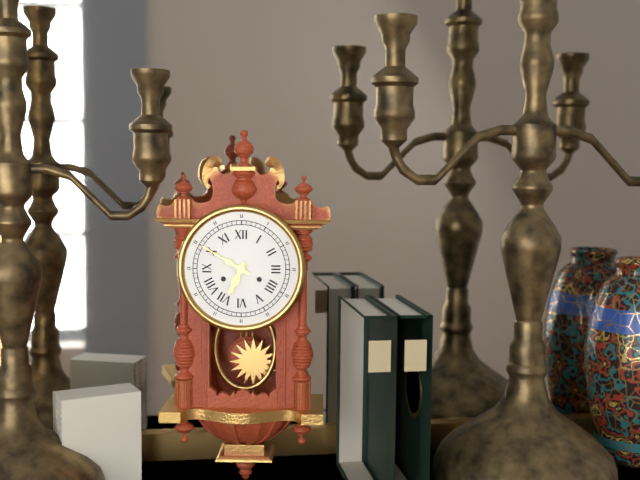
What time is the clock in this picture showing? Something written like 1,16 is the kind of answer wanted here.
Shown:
6,50
